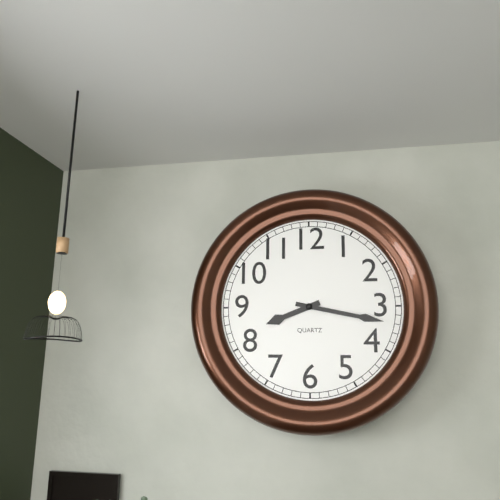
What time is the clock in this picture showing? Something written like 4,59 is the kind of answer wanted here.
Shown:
8,17
